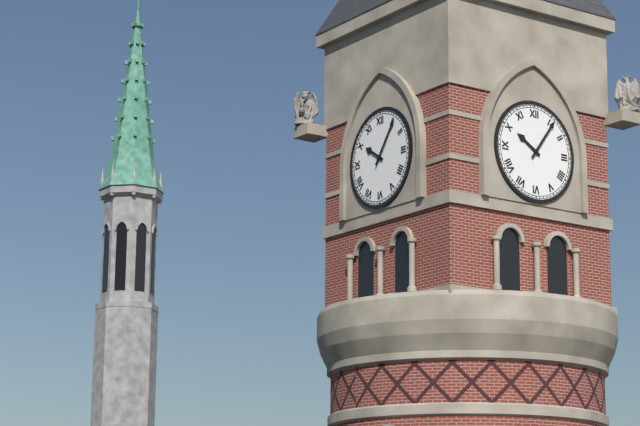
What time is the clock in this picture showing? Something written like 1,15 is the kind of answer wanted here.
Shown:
10,06
